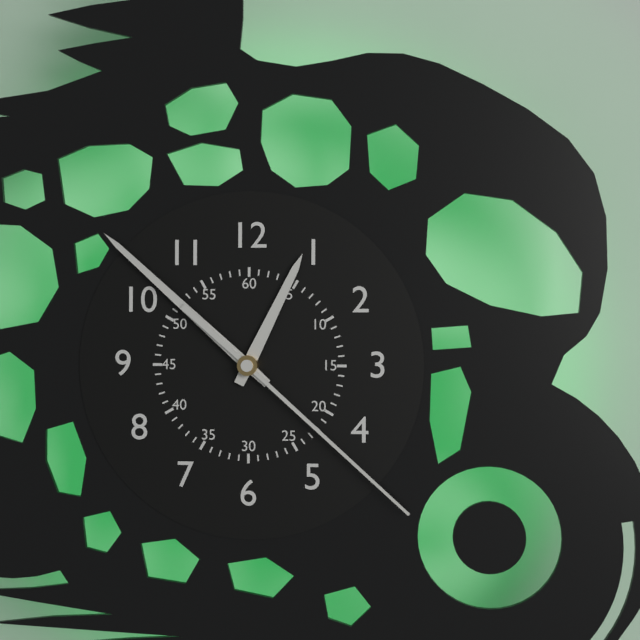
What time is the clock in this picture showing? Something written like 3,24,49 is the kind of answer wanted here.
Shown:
12,52,22
